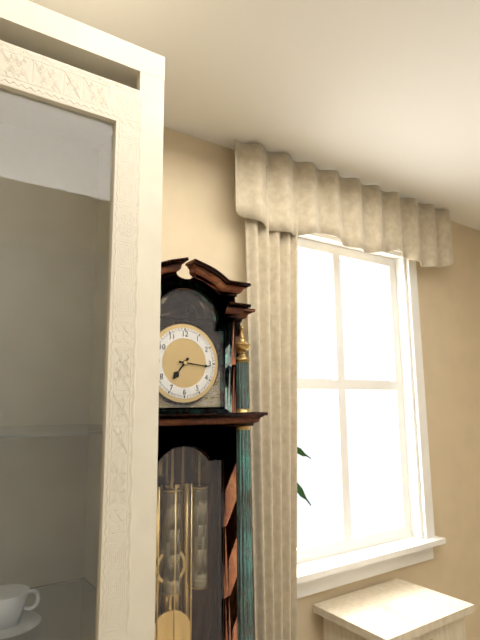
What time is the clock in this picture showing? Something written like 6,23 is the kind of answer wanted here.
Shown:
7,16
